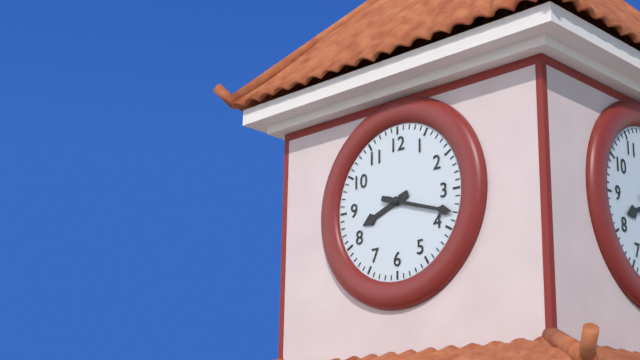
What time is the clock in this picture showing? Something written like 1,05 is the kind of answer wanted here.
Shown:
8,18
